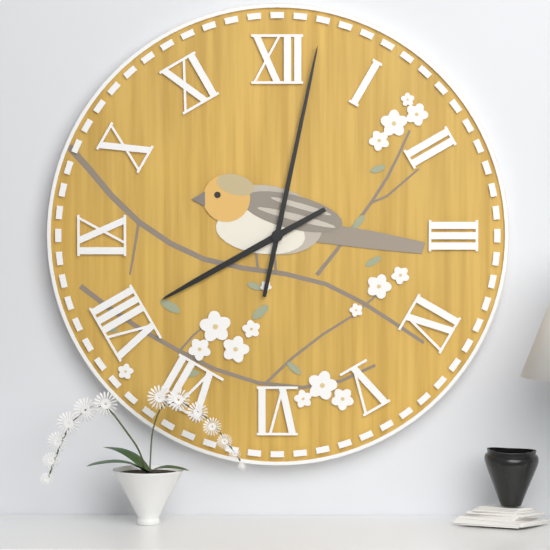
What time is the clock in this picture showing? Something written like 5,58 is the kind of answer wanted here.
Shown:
8,02
